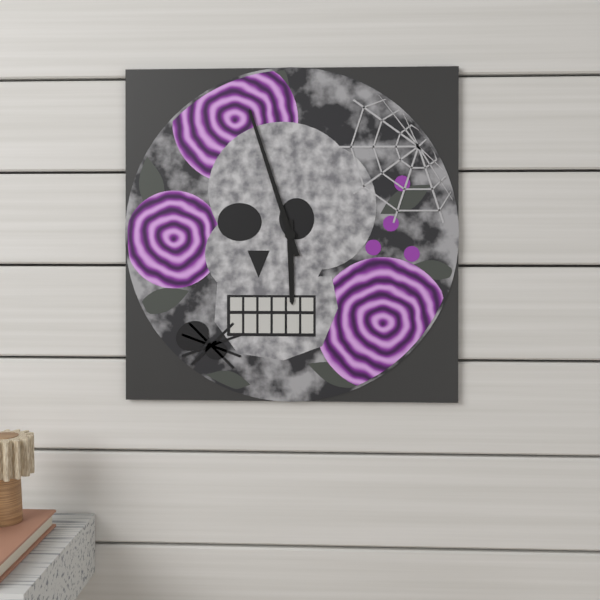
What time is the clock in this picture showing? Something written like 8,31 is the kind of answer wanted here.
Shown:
5,57
